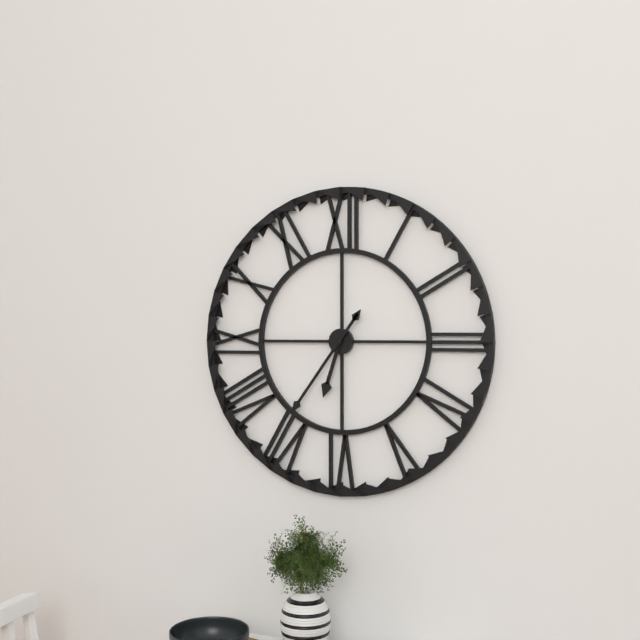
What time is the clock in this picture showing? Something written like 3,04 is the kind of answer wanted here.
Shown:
6,36
